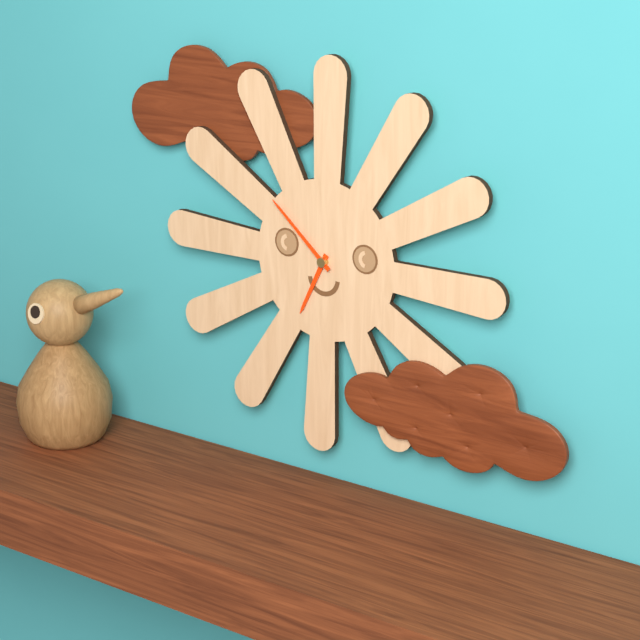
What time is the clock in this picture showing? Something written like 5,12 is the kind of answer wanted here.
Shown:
6,52
